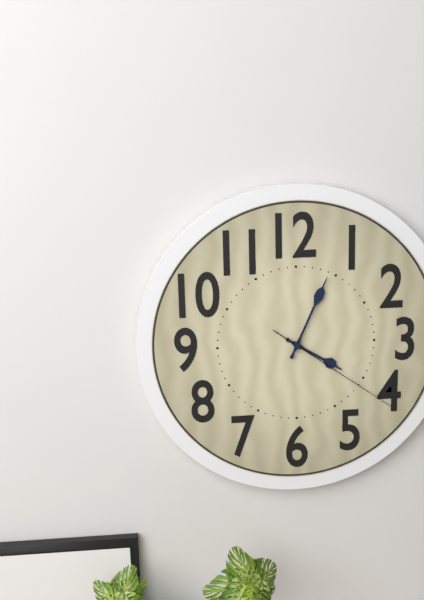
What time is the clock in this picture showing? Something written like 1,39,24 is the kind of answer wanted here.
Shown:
4,04,21
